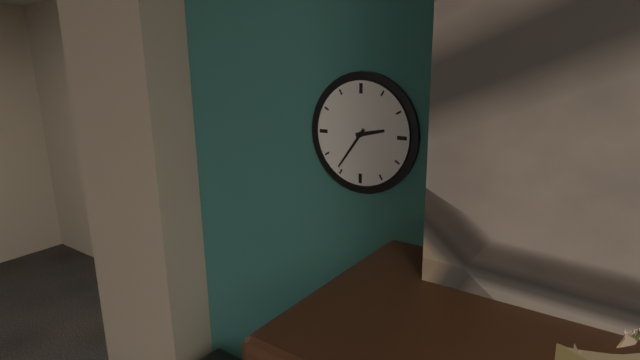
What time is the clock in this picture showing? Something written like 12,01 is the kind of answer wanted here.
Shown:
2,36
